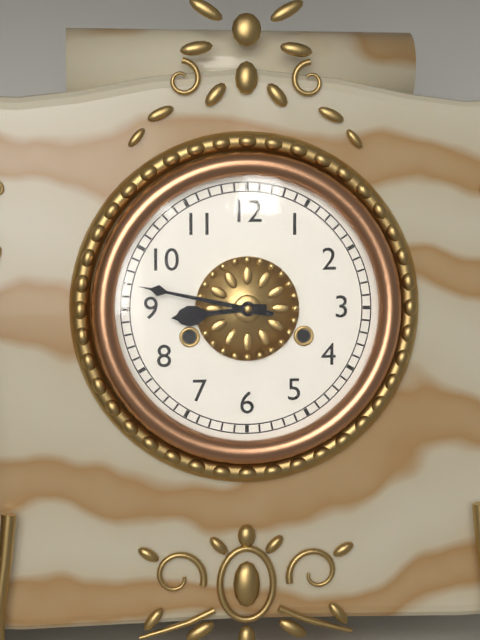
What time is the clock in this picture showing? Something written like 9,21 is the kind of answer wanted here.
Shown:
8,47
